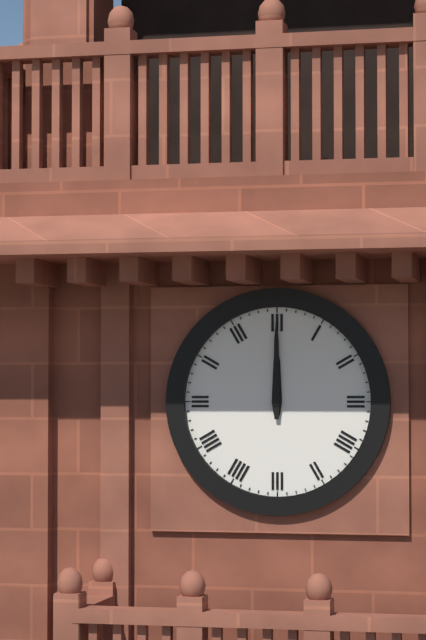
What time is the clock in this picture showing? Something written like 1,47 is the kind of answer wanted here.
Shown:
12,00
